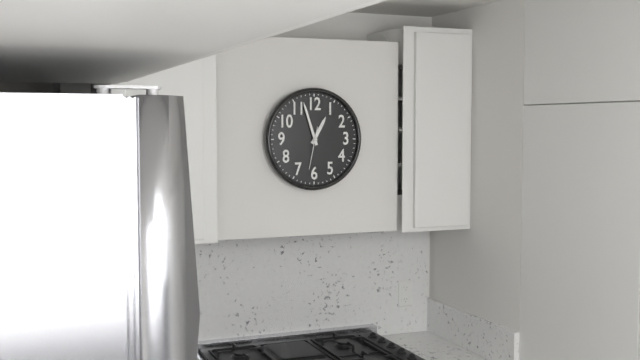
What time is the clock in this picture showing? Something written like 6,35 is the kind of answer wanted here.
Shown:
12,57
